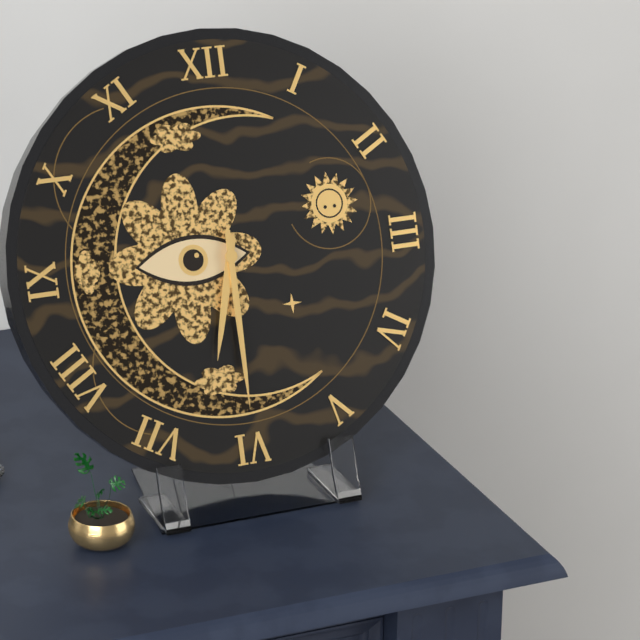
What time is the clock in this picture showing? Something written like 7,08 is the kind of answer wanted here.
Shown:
6,30
